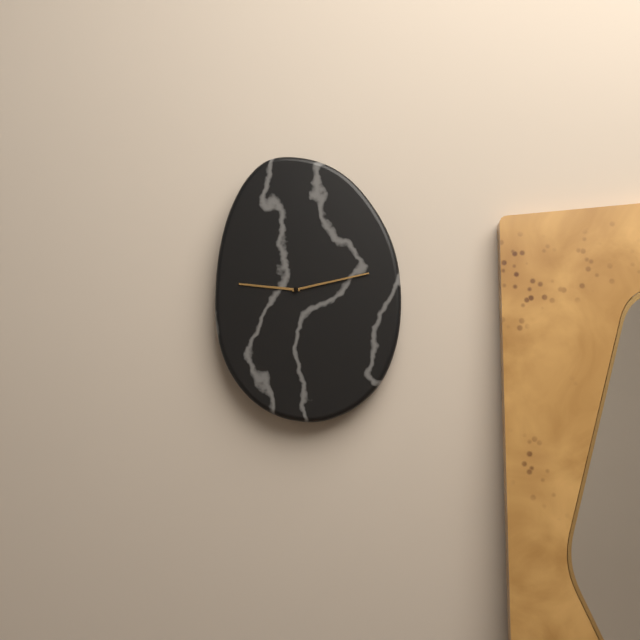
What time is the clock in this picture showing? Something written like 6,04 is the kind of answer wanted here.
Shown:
9,13
